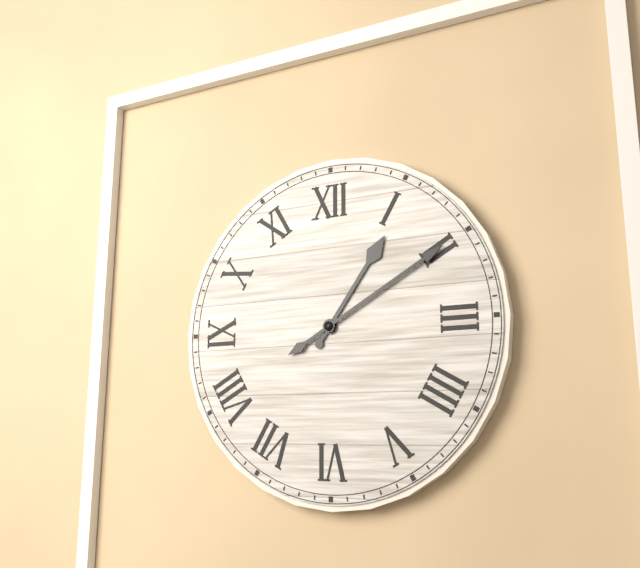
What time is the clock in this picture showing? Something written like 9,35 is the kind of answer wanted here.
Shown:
1,10
